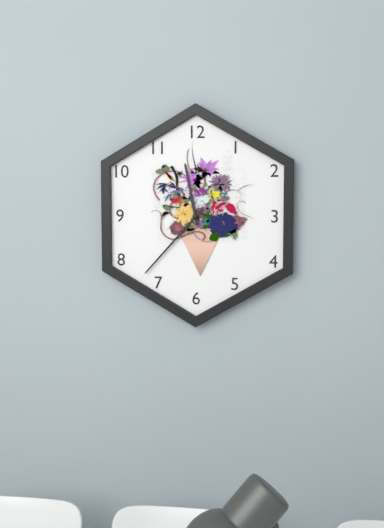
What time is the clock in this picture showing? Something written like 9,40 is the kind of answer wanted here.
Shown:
11,37
